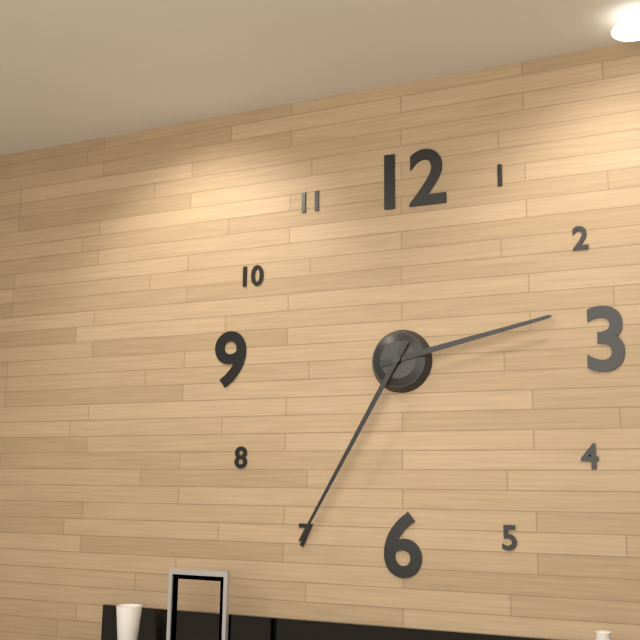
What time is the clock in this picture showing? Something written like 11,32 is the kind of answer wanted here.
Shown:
2,35
